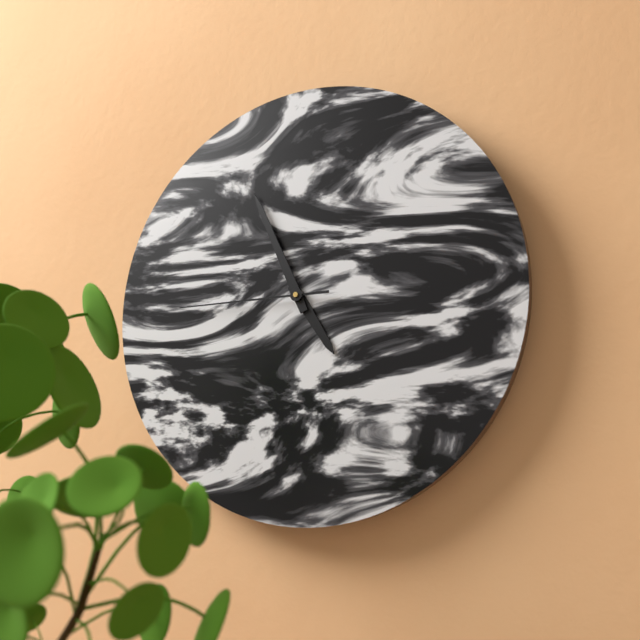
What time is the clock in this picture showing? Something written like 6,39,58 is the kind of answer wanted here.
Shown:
4,56,45
